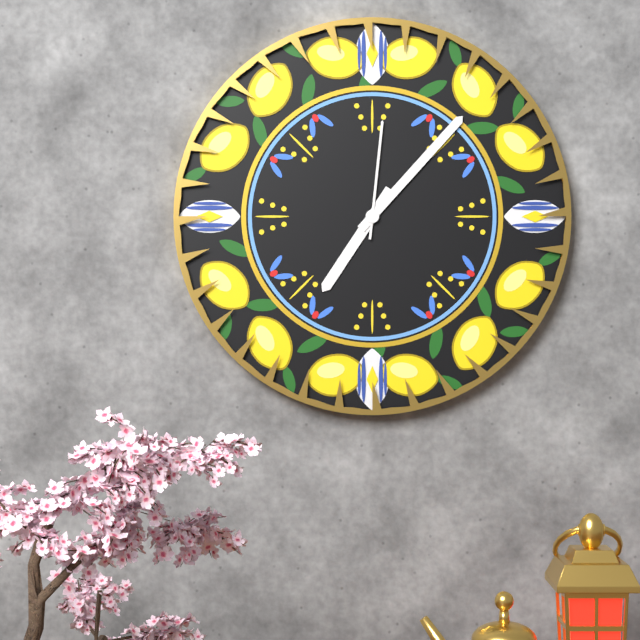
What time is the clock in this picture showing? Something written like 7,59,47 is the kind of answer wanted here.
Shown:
7,07,01
